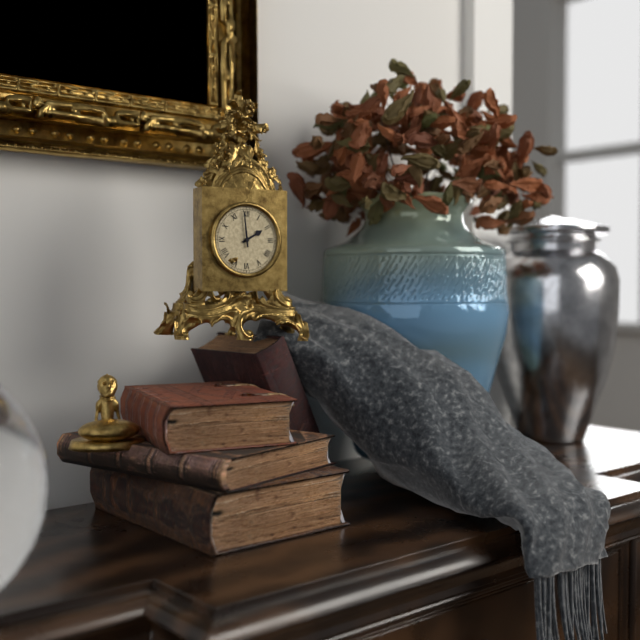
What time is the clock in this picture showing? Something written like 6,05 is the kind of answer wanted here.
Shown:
1,59
